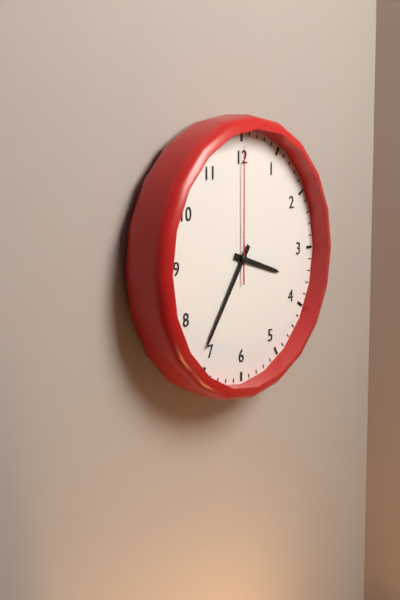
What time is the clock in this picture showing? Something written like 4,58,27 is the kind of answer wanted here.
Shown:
3,36,00
